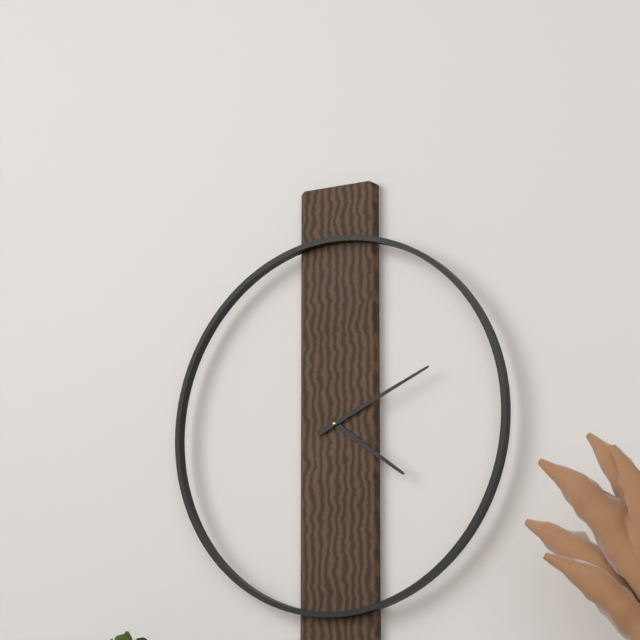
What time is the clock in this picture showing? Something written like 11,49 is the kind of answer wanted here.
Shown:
4,11
